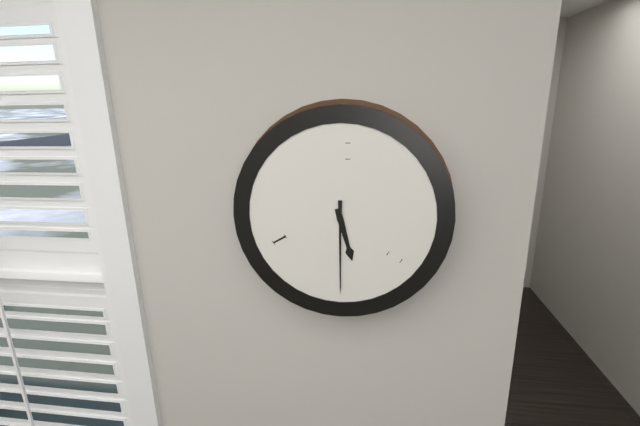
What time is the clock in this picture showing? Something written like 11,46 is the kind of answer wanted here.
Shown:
5,30
